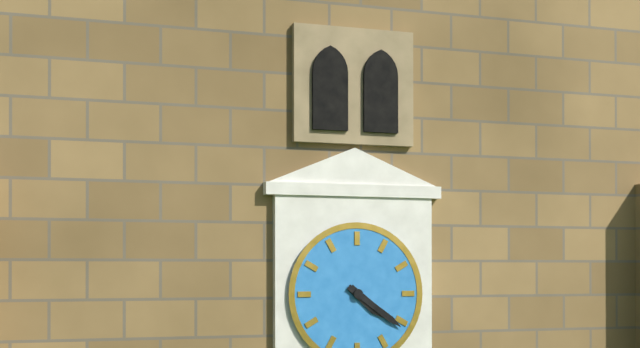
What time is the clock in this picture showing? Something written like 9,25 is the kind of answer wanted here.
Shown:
4,21
